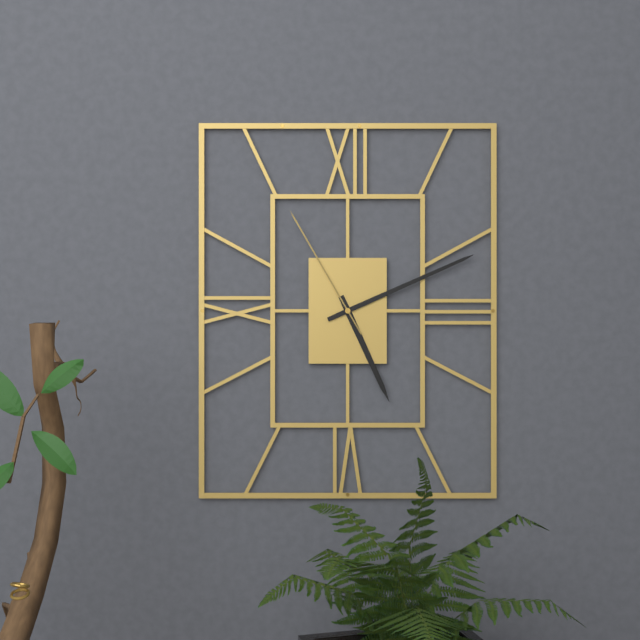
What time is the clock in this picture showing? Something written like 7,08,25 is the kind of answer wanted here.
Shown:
5,11,55
